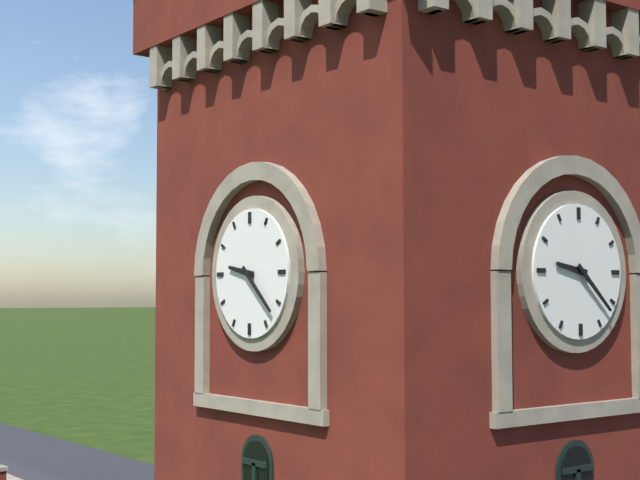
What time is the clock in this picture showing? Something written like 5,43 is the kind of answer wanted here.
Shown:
9,22
